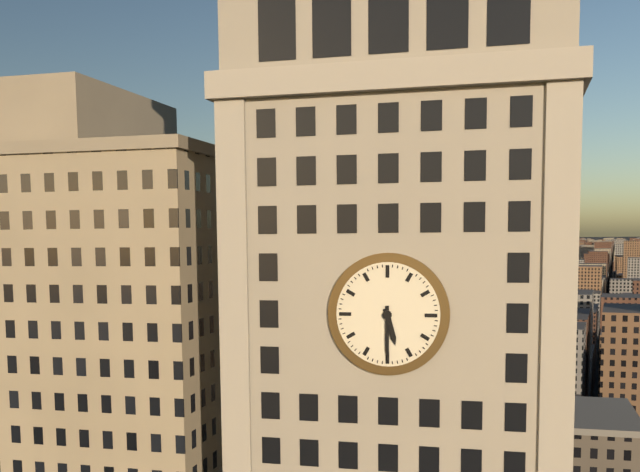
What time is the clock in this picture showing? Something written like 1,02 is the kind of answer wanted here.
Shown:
5,30
